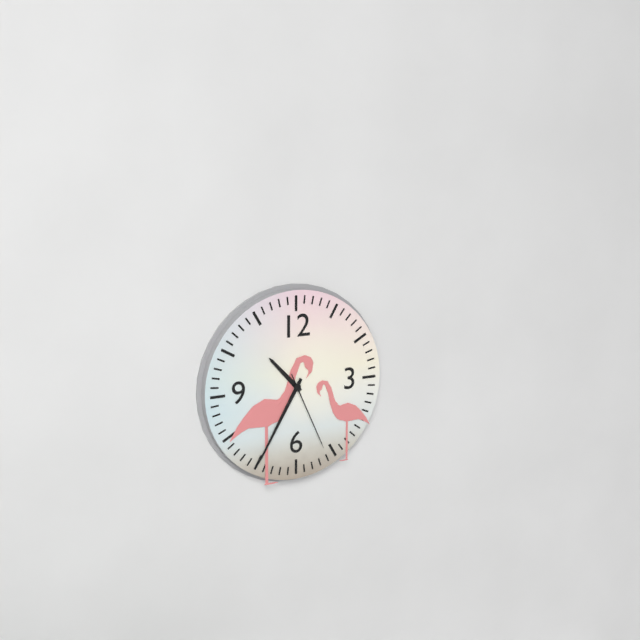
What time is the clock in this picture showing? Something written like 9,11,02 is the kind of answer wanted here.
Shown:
10,35,26
